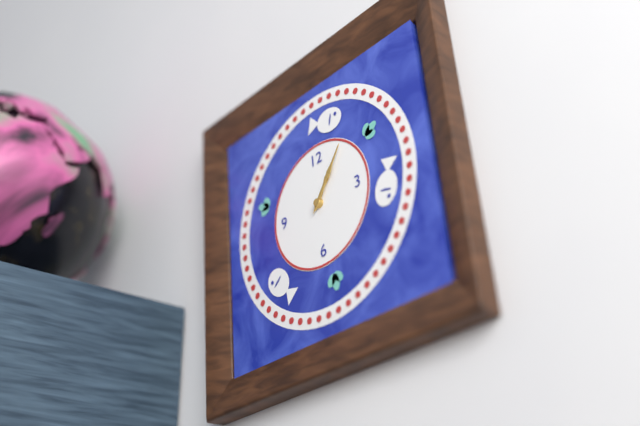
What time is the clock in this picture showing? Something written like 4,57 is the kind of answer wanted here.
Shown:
1,06
